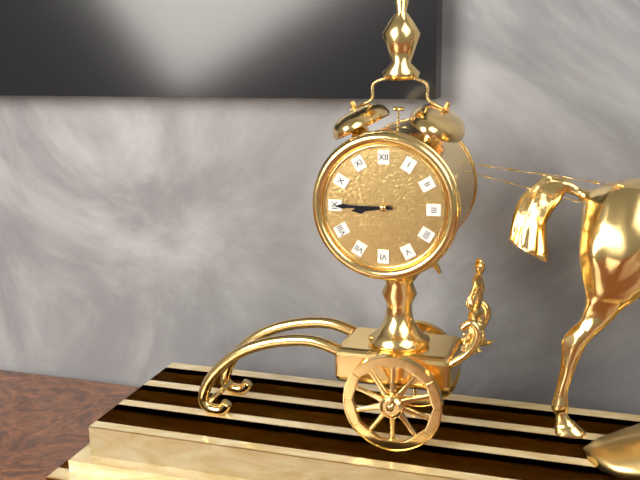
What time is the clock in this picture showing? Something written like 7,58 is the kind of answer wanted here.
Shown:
8,45
